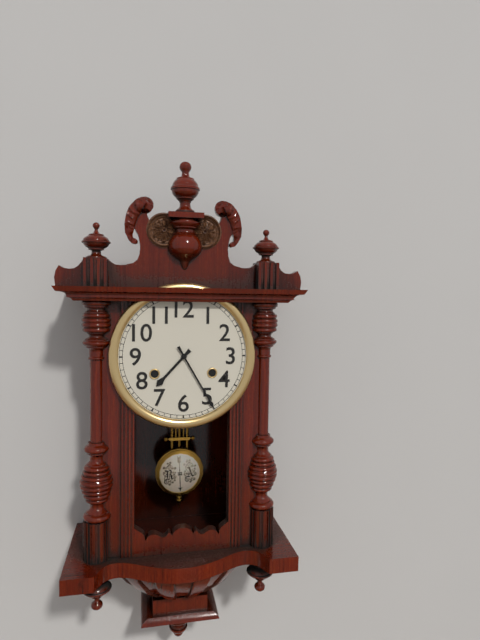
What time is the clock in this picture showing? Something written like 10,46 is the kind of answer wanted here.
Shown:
7,25
